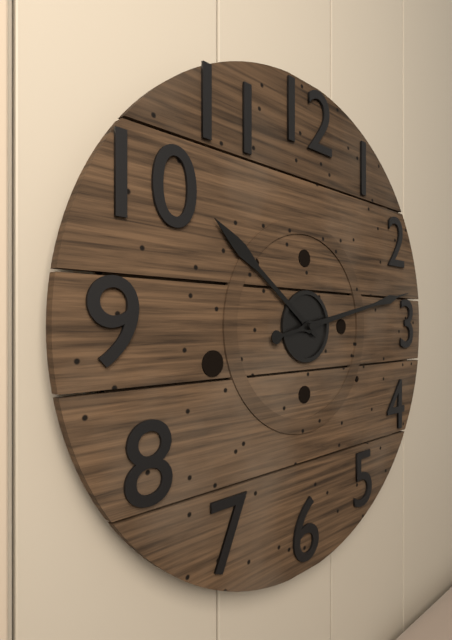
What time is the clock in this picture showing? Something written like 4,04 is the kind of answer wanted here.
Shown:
10,13
